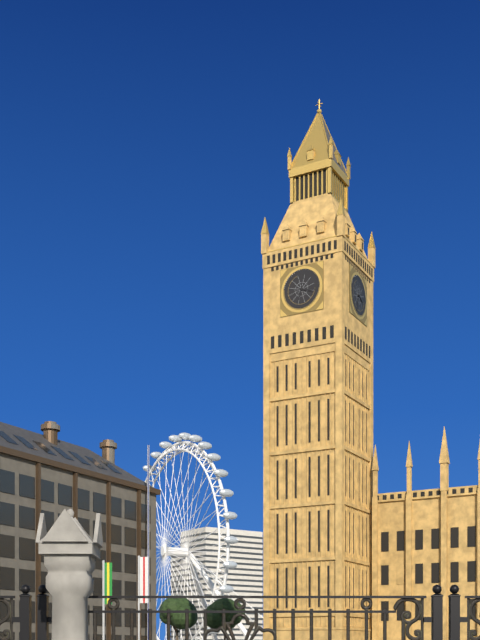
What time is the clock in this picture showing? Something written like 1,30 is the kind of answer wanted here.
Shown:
3,33
